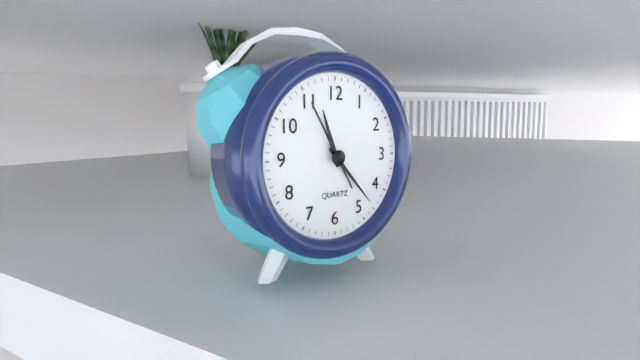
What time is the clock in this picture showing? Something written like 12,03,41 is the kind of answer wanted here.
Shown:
11,23,55
